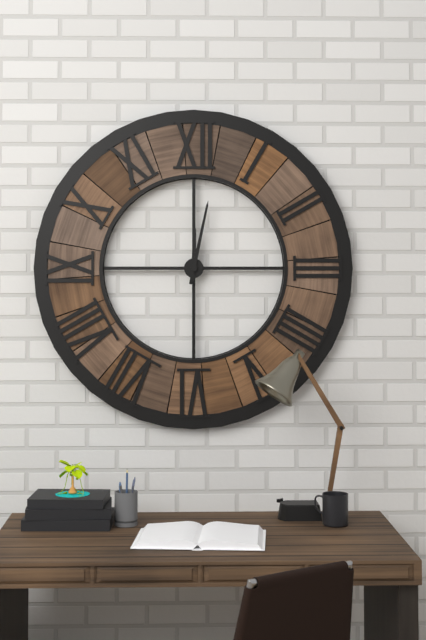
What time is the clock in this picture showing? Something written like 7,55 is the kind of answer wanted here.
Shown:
12,02
